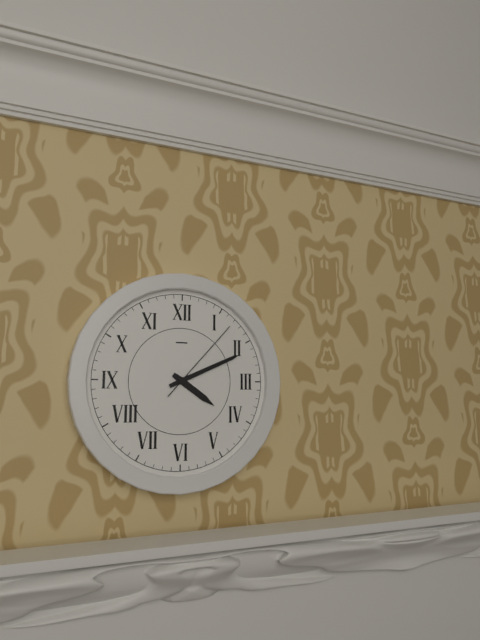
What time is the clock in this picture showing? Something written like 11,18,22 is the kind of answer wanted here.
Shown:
4,11,07
